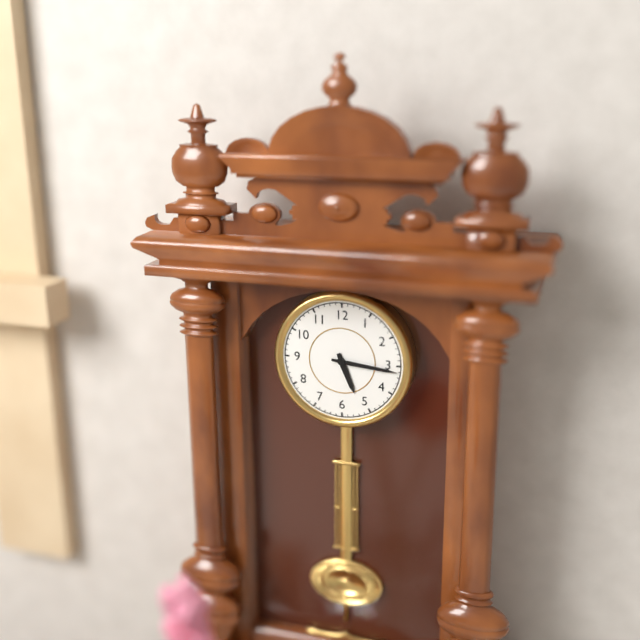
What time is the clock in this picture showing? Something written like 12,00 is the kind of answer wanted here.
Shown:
5,16
